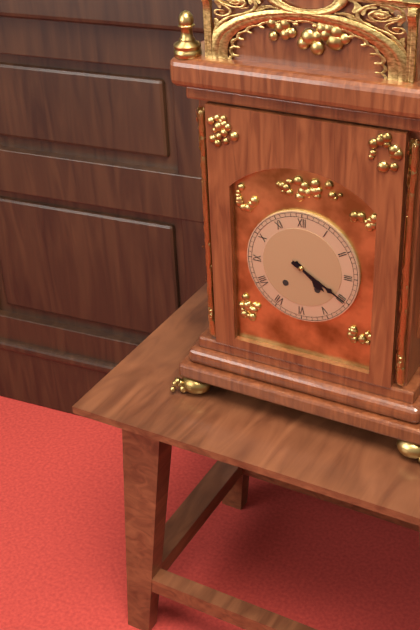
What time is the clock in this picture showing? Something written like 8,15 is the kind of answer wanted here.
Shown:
4,20
